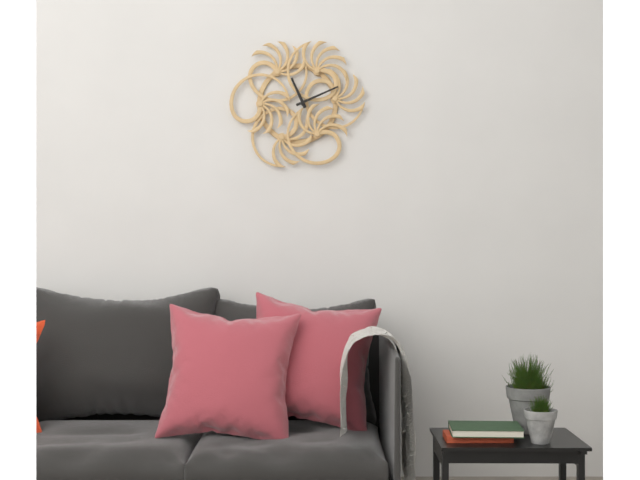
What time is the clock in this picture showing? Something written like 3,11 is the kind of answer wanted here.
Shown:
11,11
